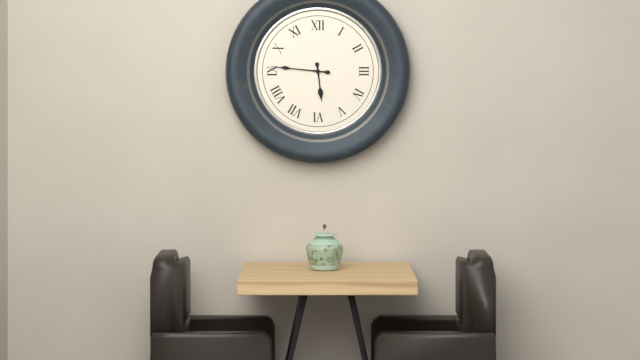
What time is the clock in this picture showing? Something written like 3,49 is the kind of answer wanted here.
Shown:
5,46
